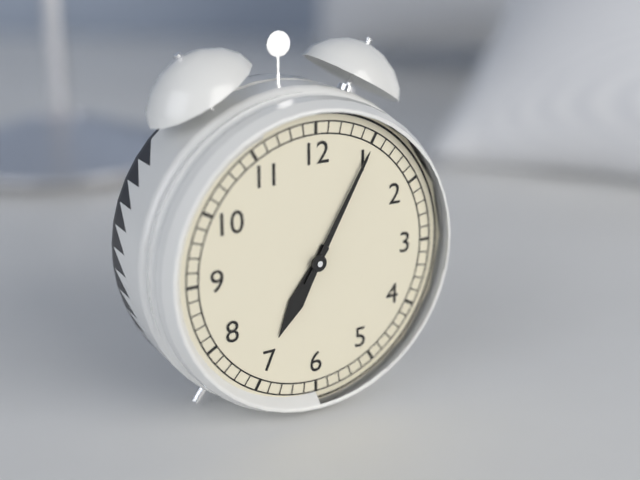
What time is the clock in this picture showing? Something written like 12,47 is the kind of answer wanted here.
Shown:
7,05
